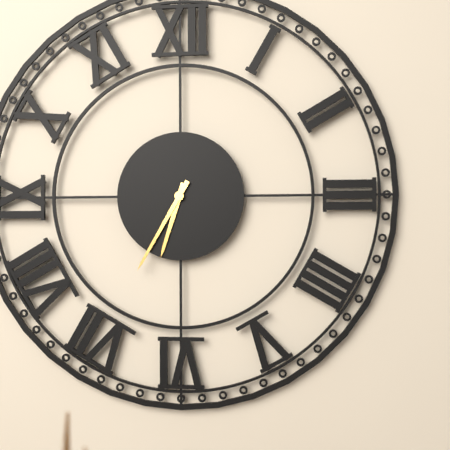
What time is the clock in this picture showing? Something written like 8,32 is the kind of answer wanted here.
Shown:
6,35
